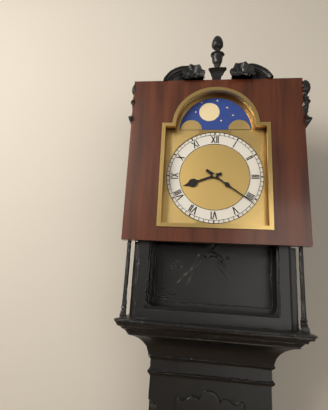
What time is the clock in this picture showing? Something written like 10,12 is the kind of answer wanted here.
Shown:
8,21
